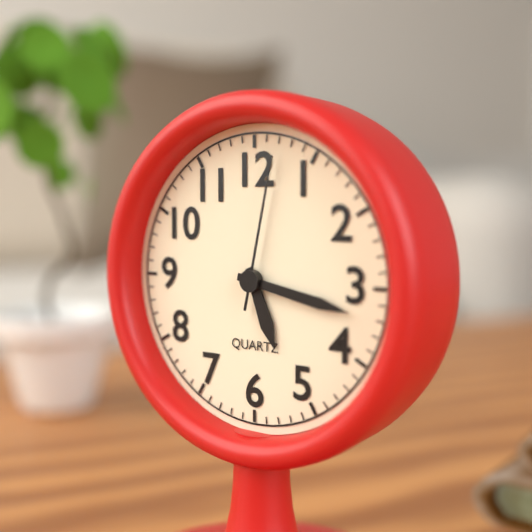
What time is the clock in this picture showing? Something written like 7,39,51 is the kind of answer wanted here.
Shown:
5,17,02
